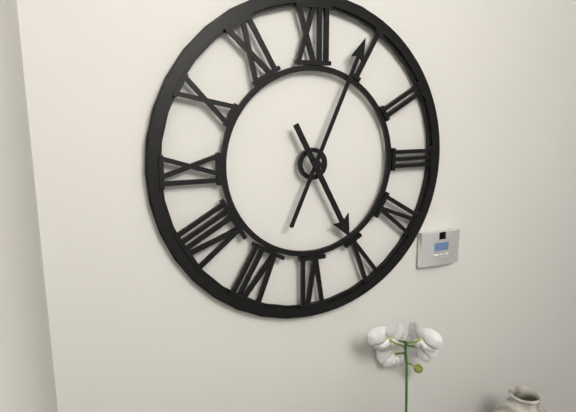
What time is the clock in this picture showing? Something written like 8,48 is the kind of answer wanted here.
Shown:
5,04
